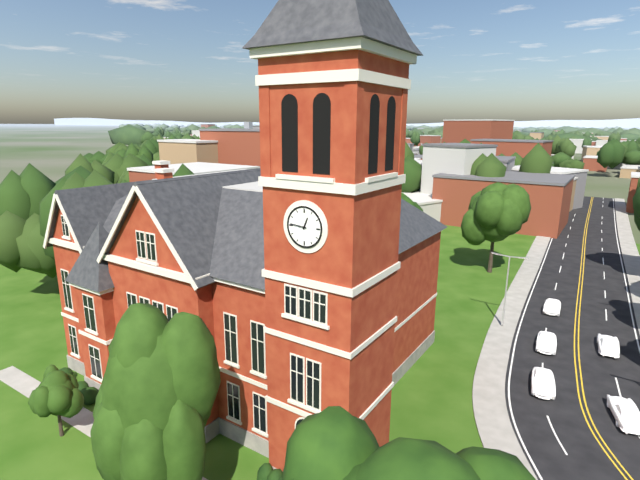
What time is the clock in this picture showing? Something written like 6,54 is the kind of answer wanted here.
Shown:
12,46
